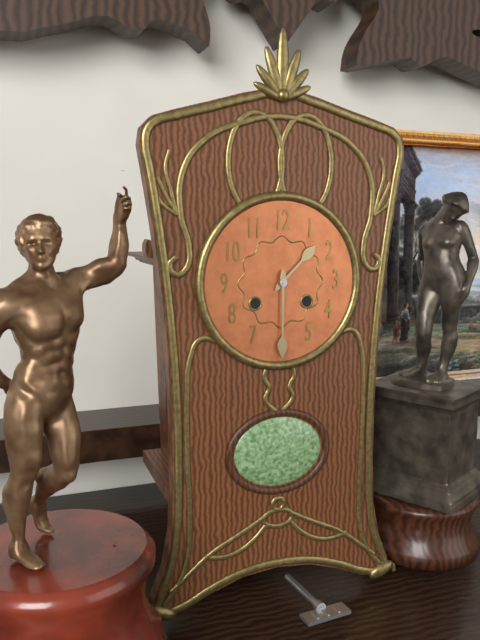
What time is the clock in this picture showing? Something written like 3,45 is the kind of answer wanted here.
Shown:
1,30
